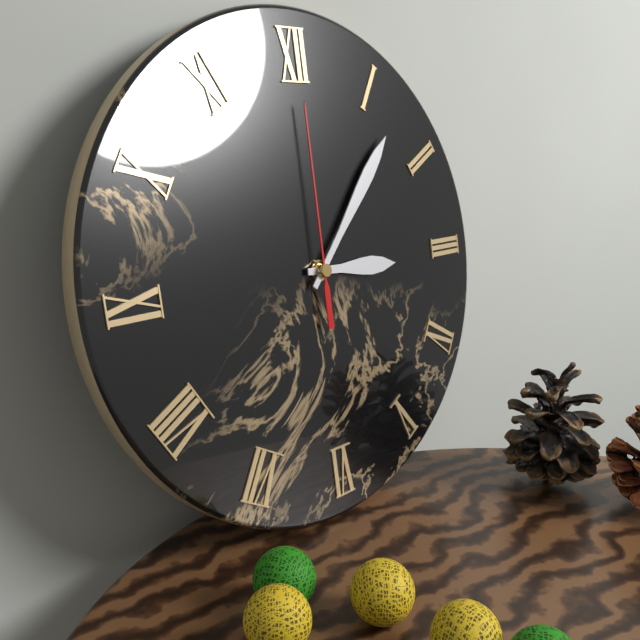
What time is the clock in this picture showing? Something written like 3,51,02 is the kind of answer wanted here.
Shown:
3,07,00
